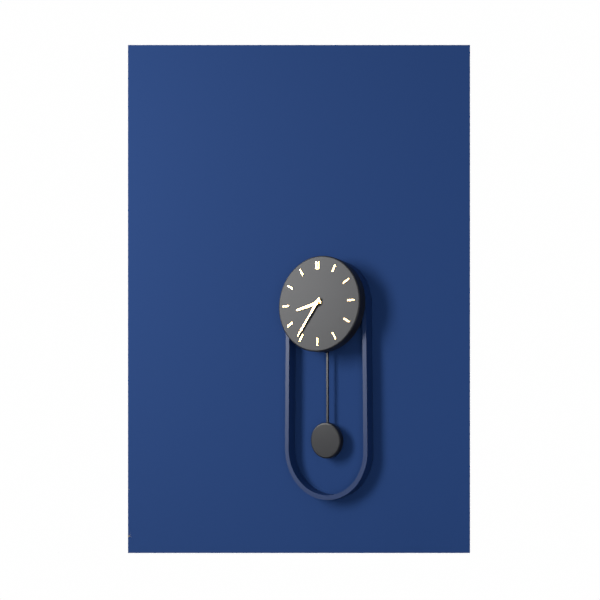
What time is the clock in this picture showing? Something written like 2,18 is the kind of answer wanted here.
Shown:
8,36
